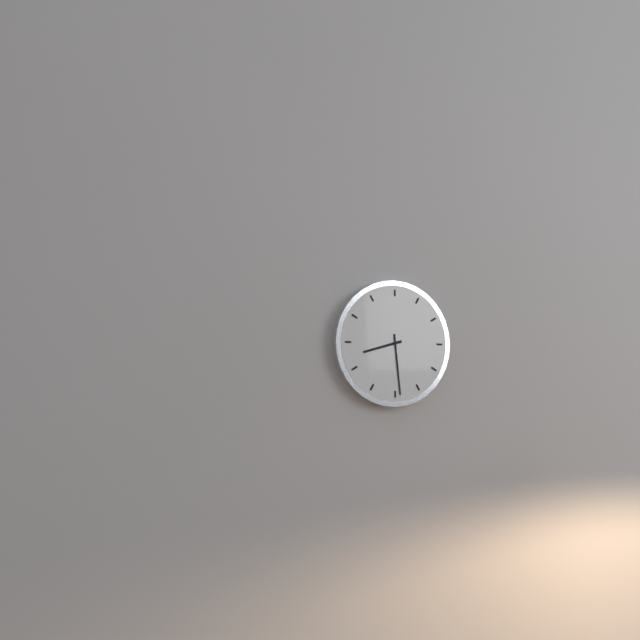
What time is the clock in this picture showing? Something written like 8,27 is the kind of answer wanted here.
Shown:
8,29
